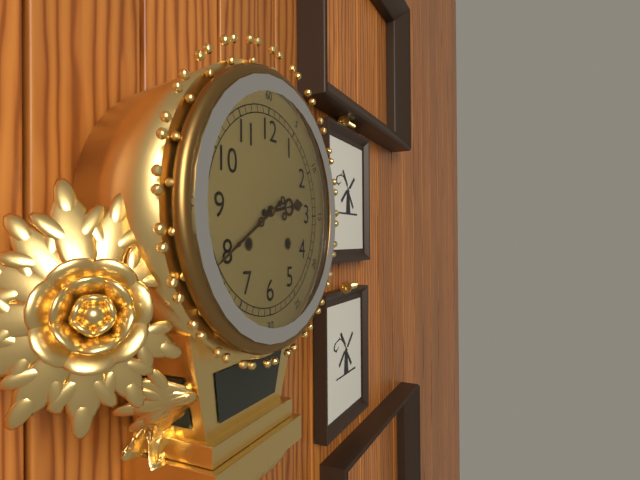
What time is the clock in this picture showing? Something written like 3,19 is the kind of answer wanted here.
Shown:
2,40
